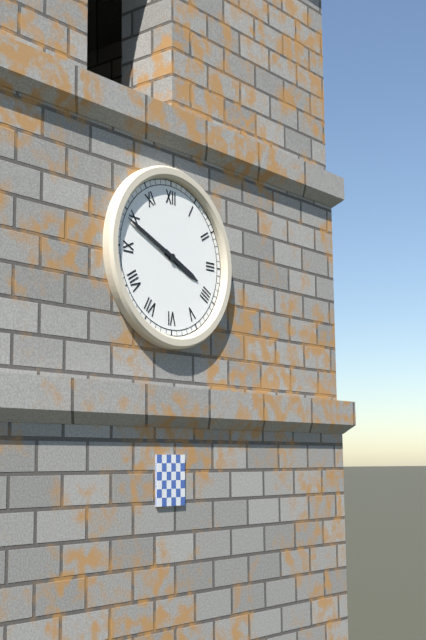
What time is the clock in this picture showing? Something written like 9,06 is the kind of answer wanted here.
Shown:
3,49
